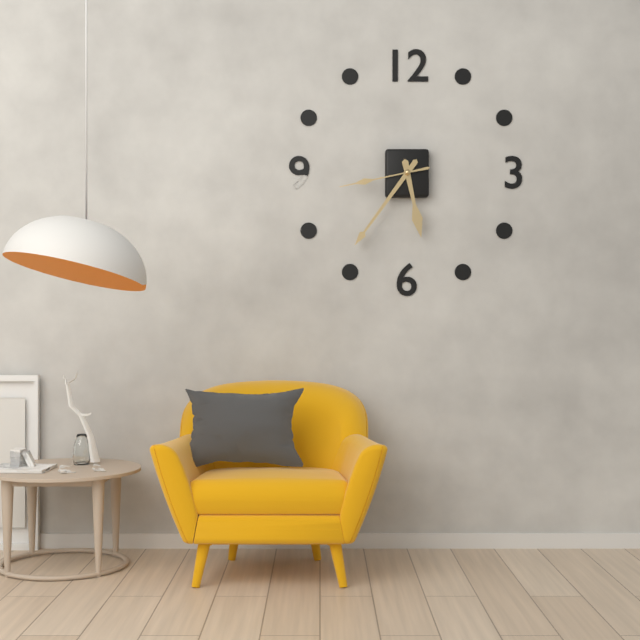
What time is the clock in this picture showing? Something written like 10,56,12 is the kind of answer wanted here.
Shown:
5,36,43
